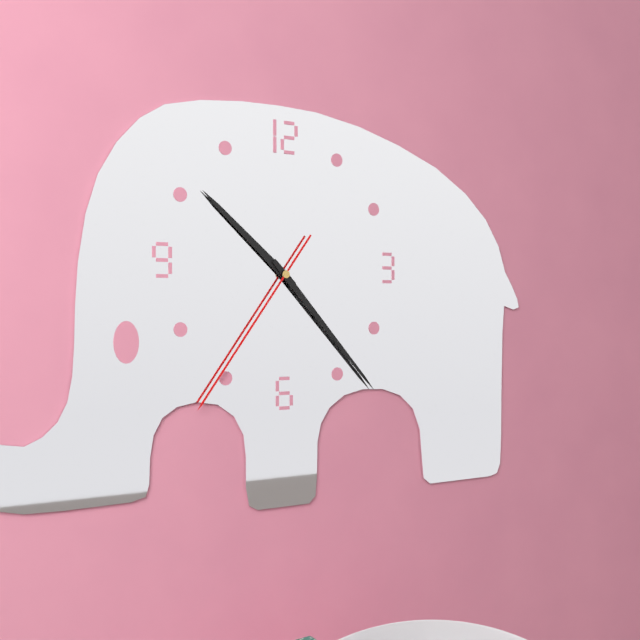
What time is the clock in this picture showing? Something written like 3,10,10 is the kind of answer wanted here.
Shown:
10,23,36
